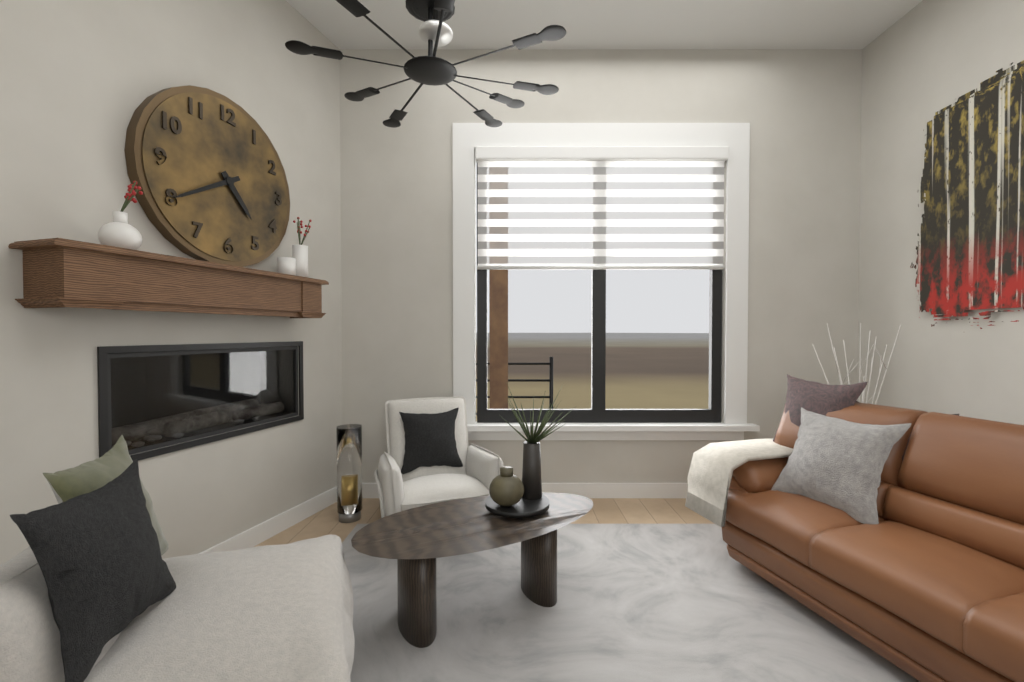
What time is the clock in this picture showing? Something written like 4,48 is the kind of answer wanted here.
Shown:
4,40
